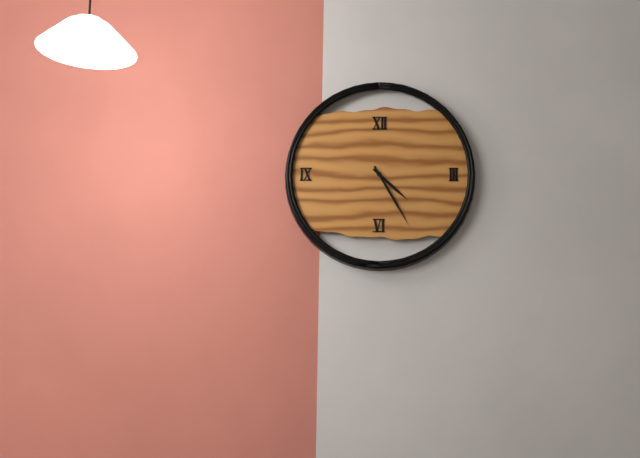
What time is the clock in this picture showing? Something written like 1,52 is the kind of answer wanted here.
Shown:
4,25
